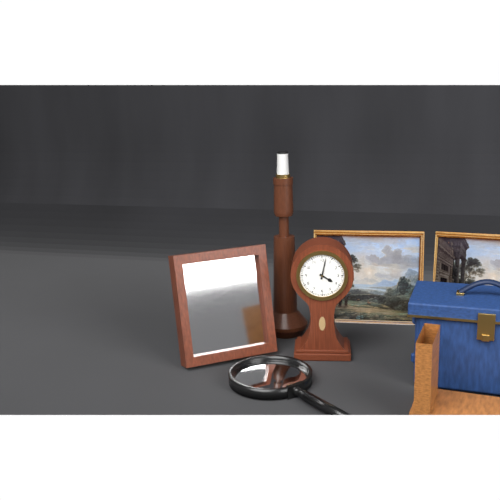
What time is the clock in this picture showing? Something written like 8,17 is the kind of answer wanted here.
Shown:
4,02
